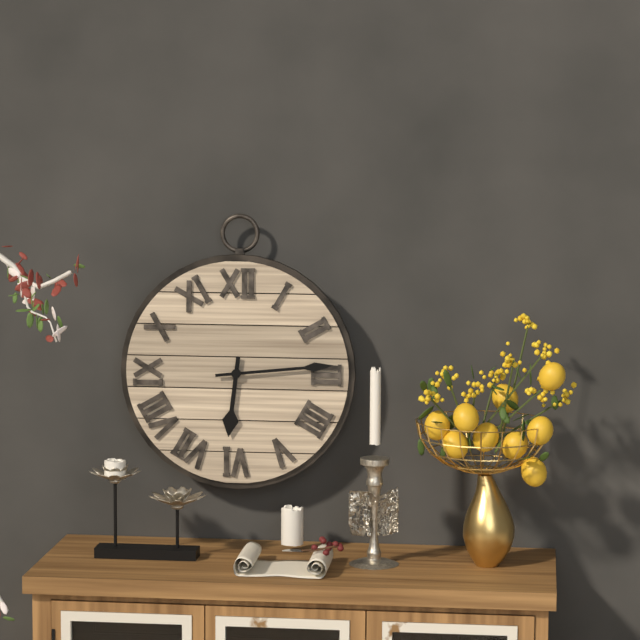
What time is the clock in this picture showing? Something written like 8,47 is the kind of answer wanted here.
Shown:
6,14
